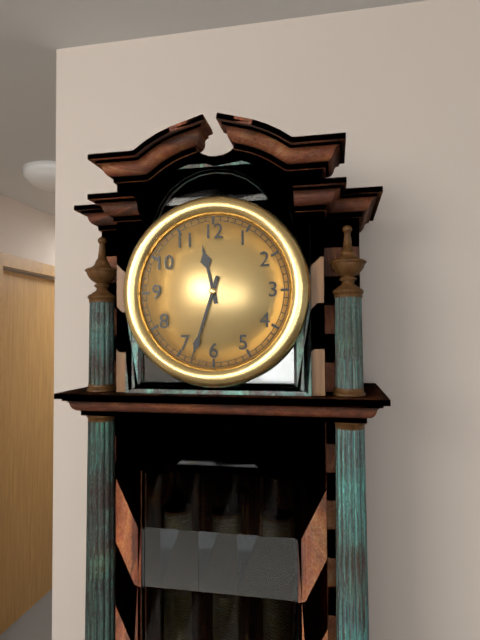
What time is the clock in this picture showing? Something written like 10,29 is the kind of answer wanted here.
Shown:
11,33
